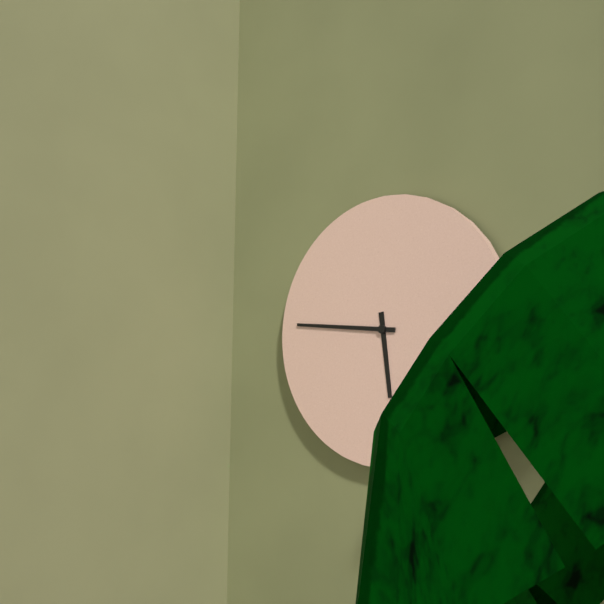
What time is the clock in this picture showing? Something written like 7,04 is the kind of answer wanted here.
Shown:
5,46
